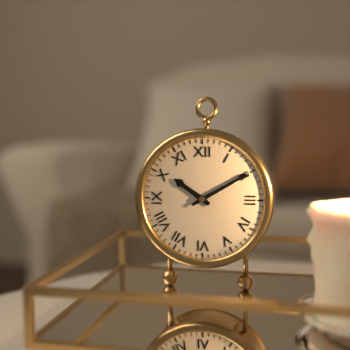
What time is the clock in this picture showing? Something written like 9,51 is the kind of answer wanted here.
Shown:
10,10
